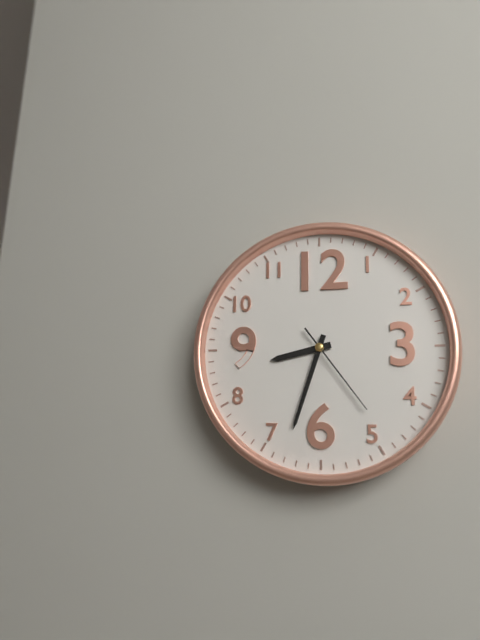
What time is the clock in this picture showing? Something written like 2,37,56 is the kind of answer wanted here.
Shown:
8,33,24
